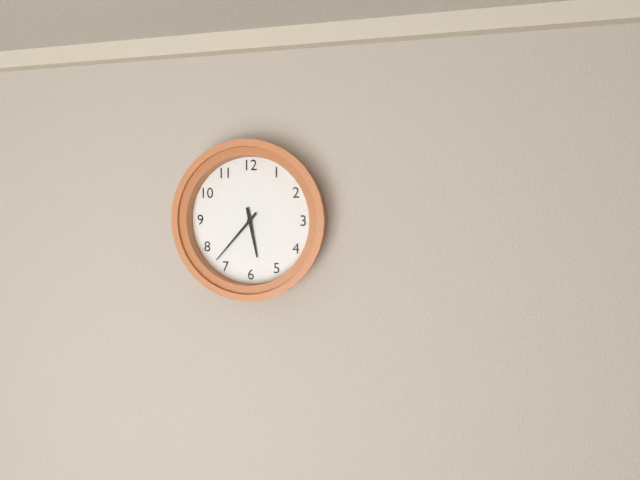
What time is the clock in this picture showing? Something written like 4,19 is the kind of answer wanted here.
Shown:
5,37
